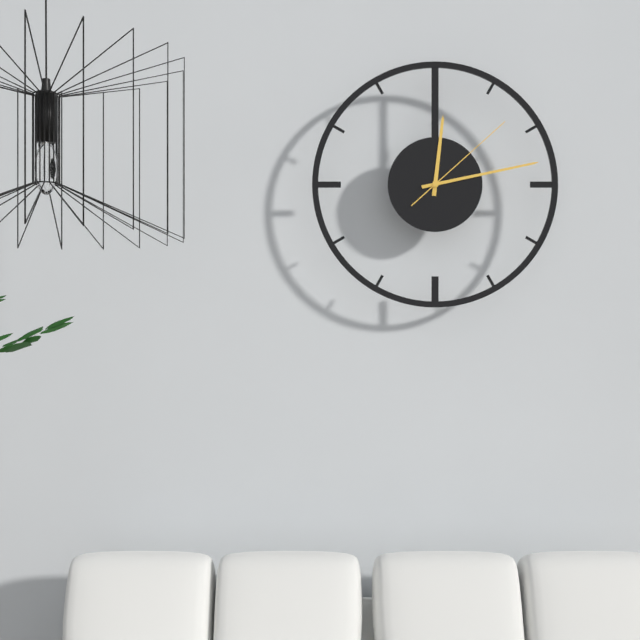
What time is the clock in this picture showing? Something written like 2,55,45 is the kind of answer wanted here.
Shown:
12,13,08
